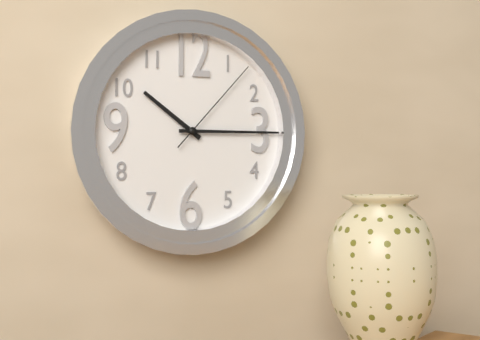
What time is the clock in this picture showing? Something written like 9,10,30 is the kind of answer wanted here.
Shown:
10,15,07
